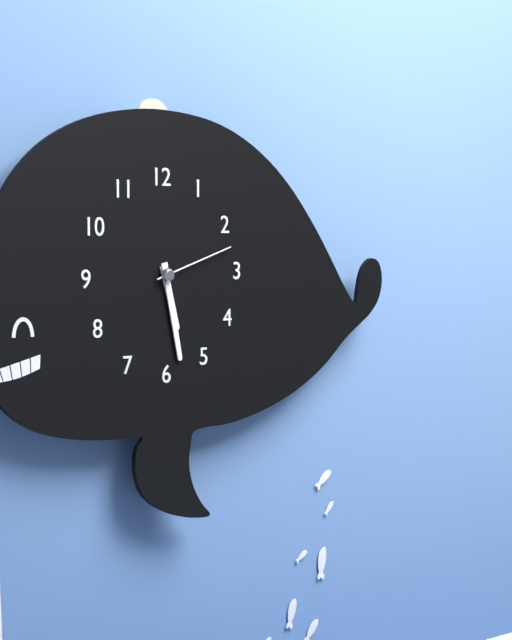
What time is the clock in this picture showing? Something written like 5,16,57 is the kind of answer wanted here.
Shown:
5,28,12
